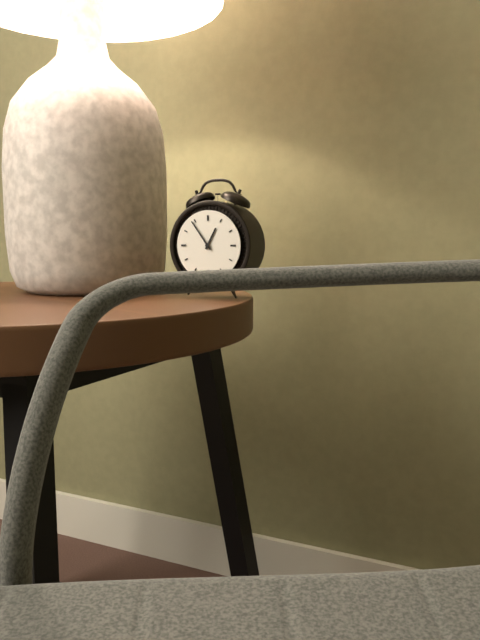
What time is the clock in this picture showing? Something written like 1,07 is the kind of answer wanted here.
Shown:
12,54
